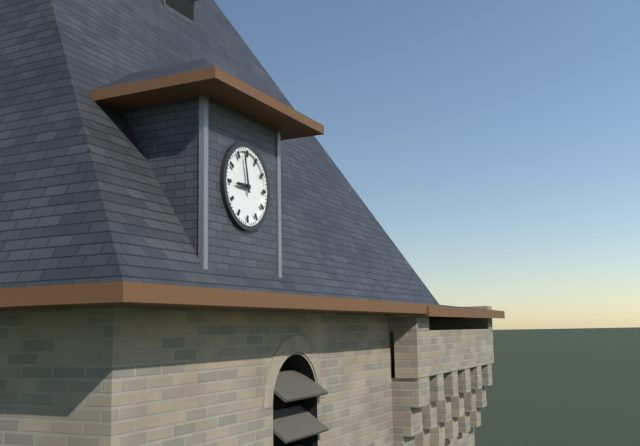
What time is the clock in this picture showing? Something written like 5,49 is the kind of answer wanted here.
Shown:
8,58
